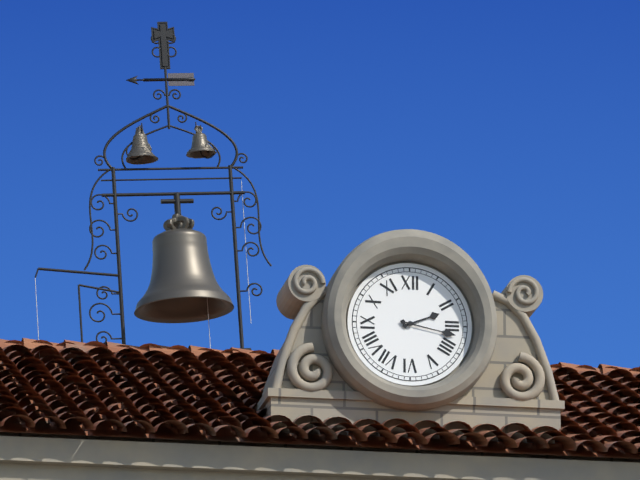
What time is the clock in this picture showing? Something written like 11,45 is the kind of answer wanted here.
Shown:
2,17
